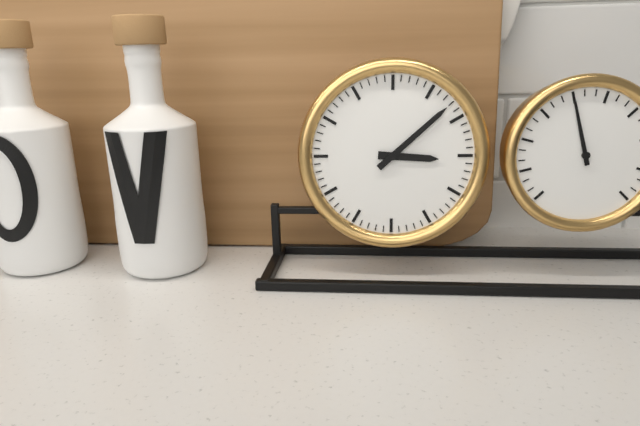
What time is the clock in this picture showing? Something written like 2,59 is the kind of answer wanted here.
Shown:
3,08
